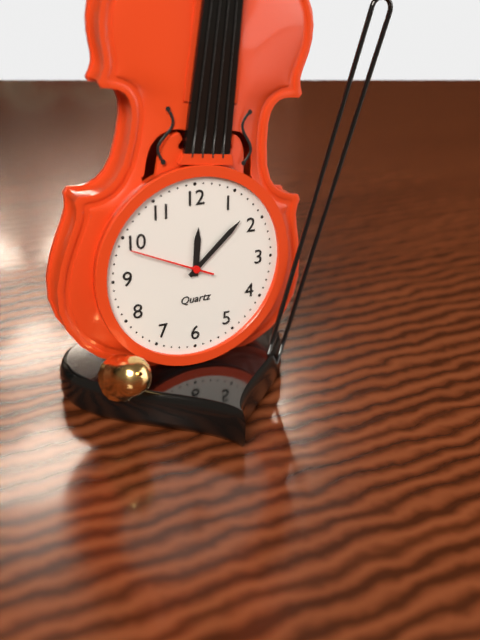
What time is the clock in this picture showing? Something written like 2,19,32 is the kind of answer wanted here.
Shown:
12,08,49
